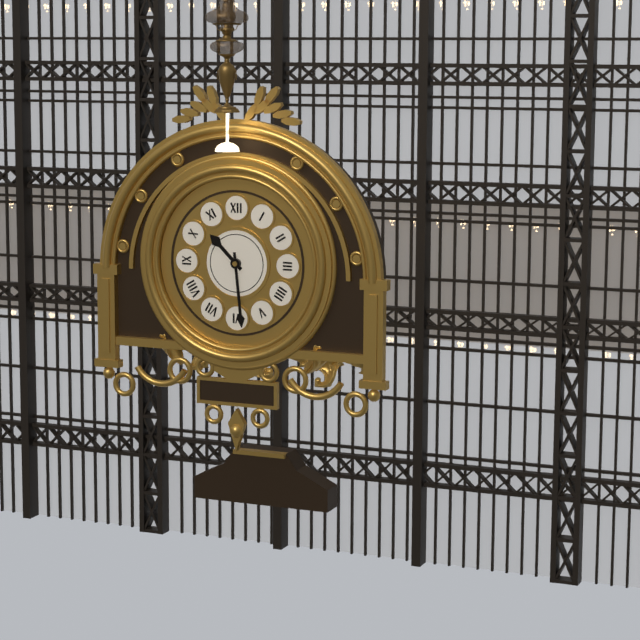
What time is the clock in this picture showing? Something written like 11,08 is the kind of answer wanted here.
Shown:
10,29
